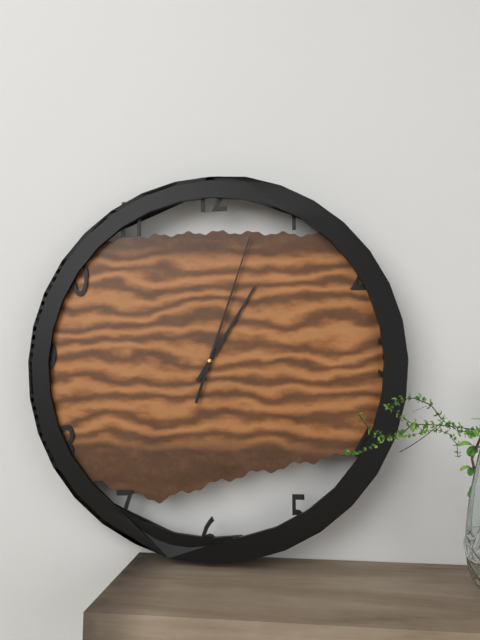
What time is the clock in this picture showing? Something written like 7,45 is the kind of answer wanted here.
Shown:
1,03
